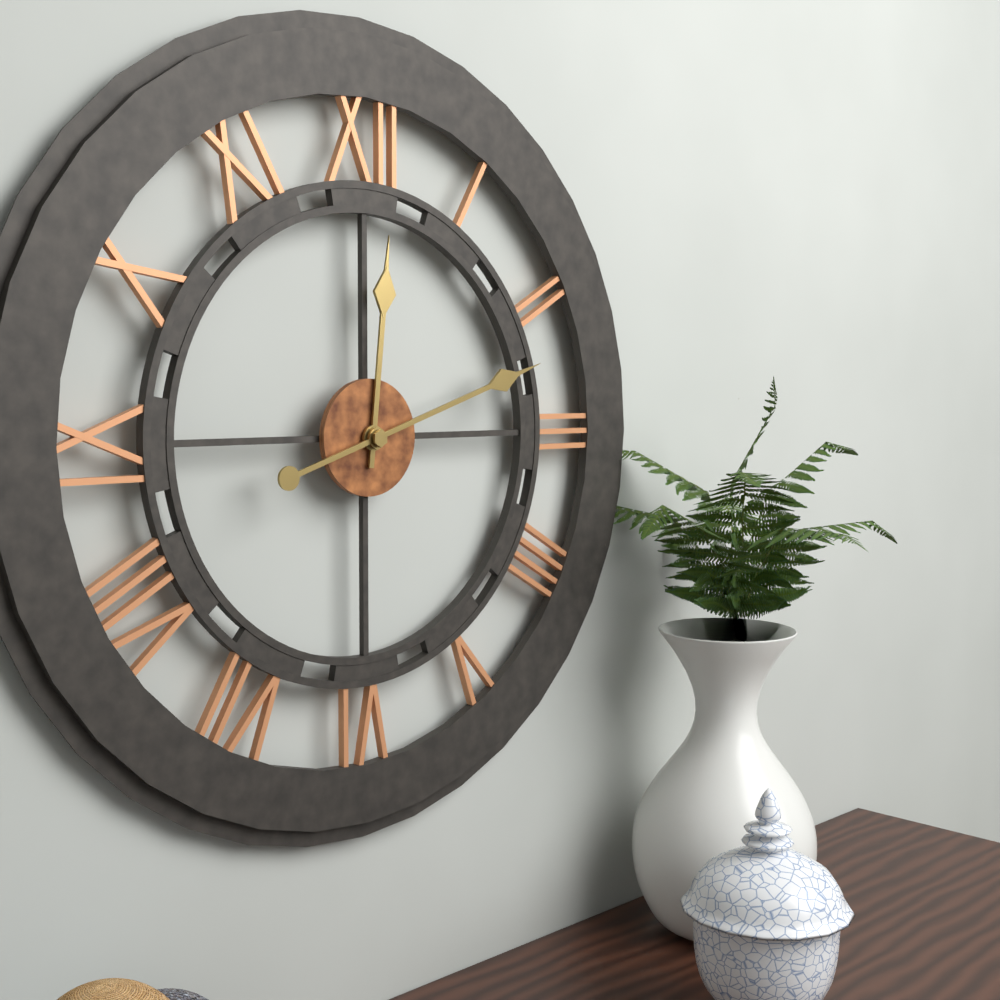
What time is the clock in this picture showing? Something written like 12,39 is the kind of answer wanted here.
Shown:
12,12
